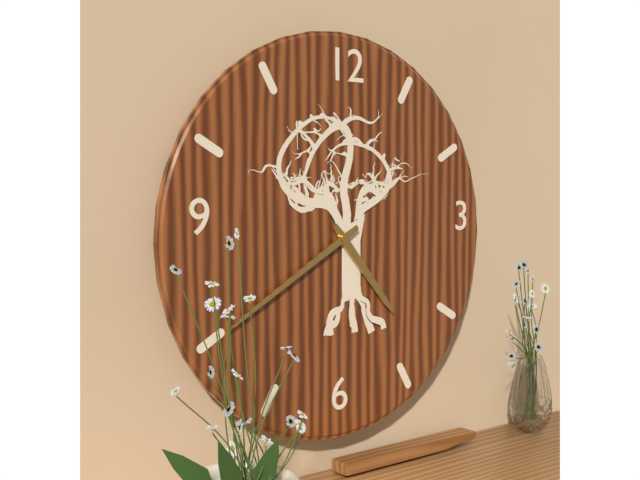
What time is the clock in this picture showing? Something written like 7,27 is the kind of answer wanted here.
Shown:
4,40
